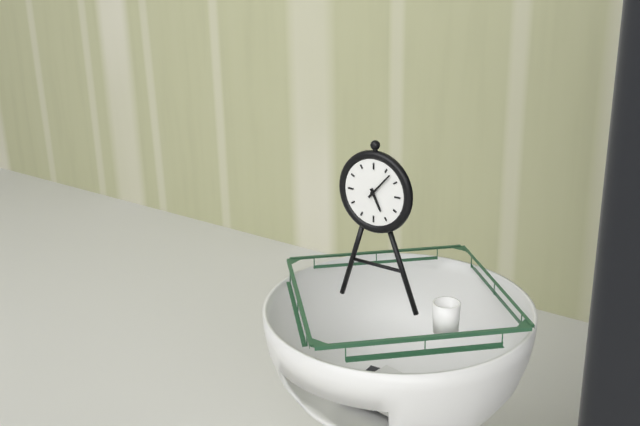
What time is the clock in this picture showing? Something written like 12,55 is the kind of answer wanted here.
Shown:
5,07
